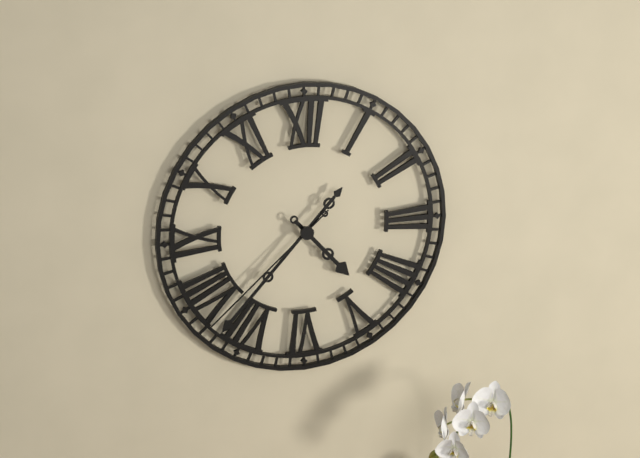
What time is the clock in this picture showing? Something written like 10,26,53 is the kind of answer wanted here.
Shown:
4,37,38
